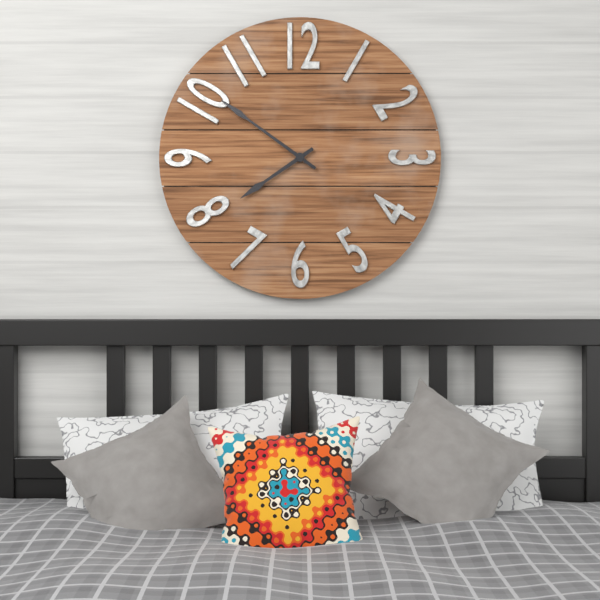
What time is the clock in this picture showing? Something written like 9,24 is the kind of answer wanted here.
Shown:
7,51
